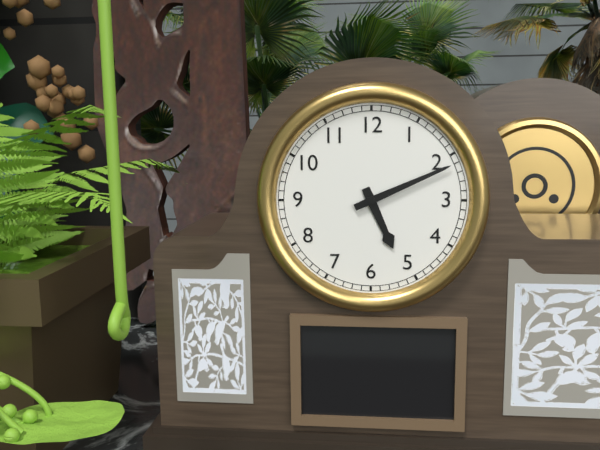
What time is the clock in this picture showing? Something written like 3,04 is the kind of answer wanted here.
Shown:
5,11
